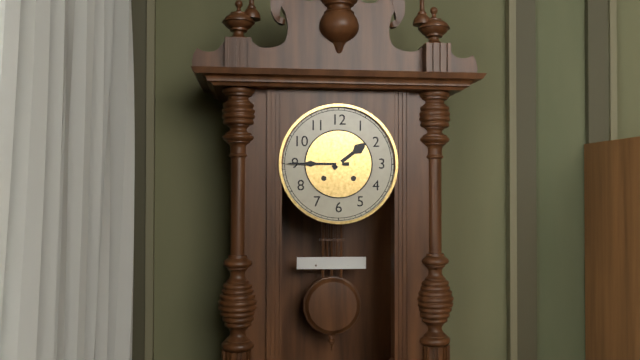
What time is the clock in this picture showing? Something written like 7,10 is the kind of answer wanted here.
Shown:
1,45
